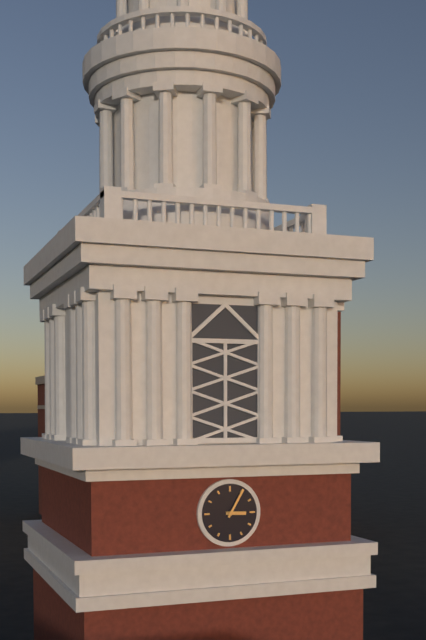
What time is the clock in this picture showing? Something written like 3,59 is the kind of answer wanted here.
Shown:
3,05
